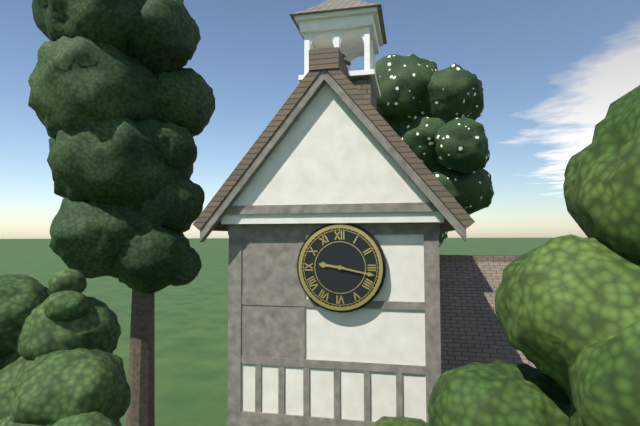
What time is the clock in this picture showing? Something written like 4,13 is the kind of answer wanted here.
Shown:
9,17
